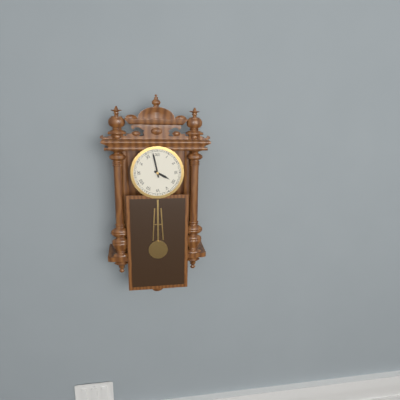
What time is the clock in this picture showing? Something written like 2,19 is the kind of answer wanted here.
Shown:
3,58
